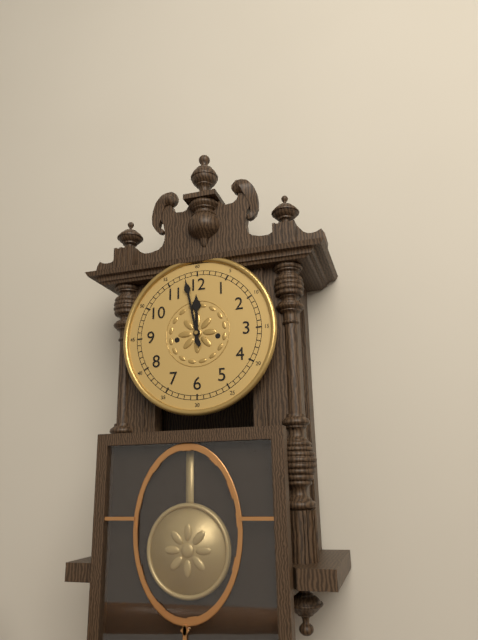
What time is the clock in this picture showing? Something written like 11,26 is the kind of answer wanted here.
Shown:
11,58
